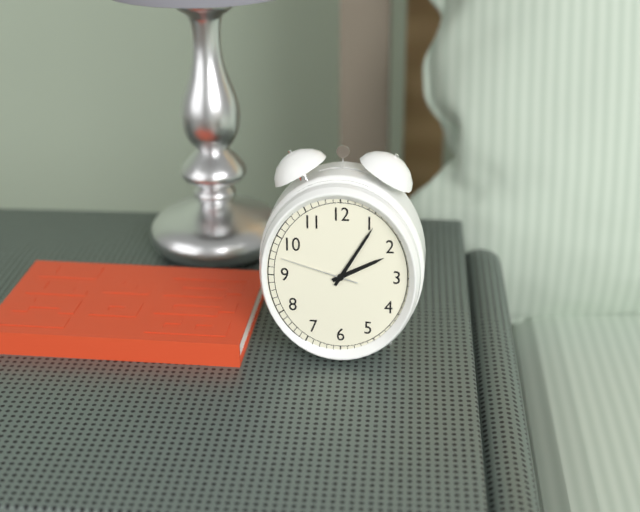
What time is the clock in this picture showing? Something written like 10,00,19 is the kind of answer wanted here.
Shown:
2,05,48
